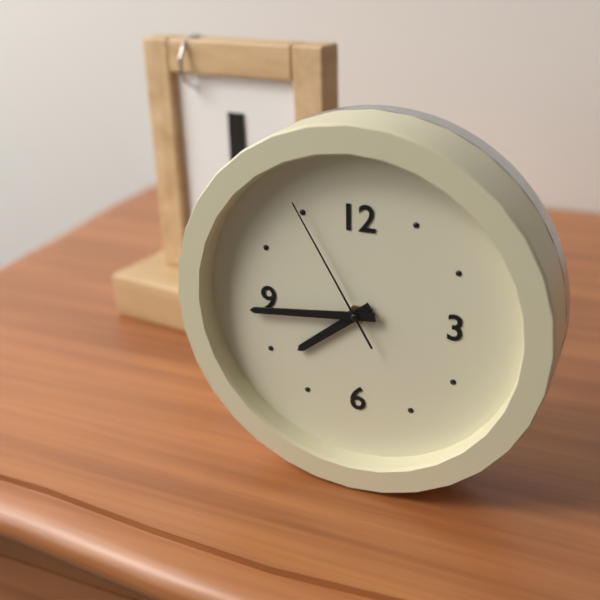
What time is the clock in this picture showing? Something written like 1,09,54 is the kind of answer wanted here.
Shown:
7,44,55
